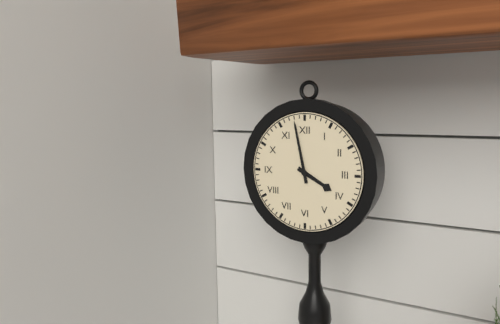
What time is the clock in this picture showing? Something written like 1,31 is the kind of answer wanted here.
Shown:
3,58
